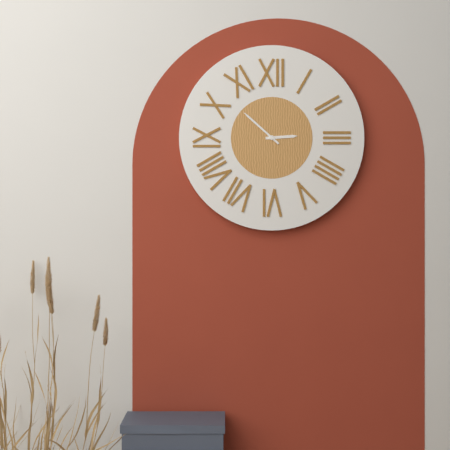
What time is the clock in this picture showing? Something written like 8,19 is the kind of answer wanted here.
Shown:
2,52
